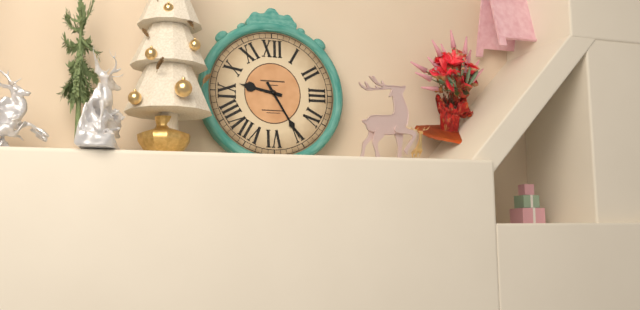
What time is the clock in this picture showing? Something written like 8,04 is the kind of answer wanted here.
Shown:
9,25
